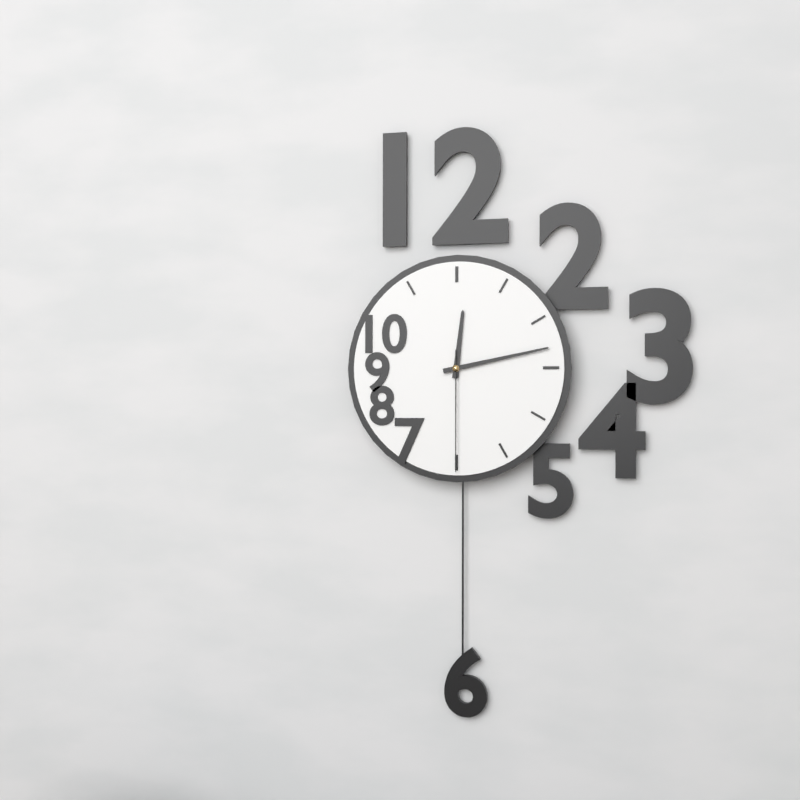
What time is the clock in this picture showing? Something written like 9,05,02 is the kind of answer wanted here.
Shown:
12,13,30
